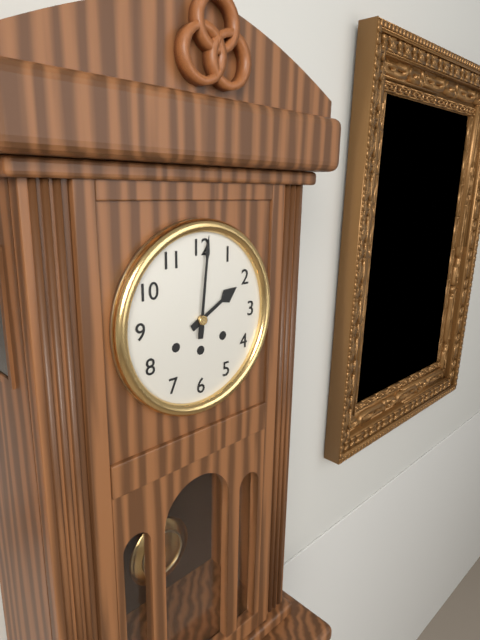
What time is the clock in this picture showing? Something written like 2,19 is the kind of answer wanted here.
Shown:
2,01
